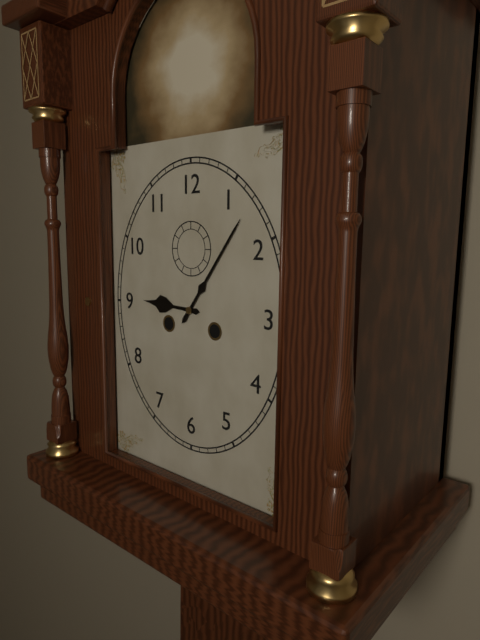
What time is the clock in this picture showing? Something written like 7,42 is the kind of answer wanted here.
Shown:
9,06
